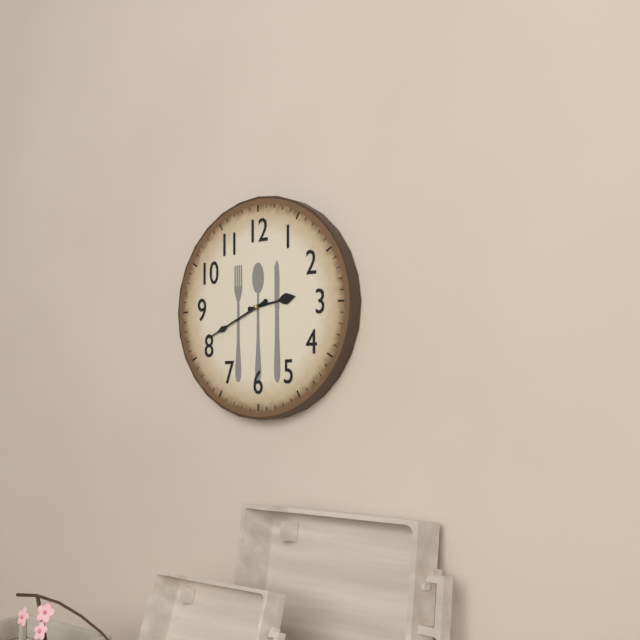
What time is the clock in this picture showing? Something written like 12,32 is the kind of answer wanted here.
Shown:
2,41
